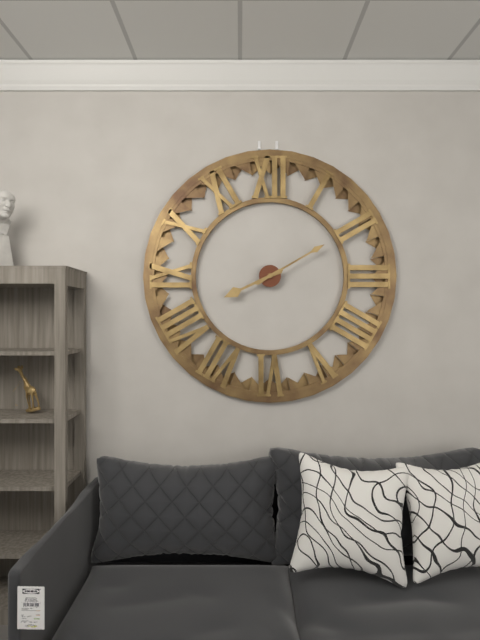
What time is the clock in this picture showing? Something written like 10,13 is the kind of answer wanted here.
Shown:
8,10
